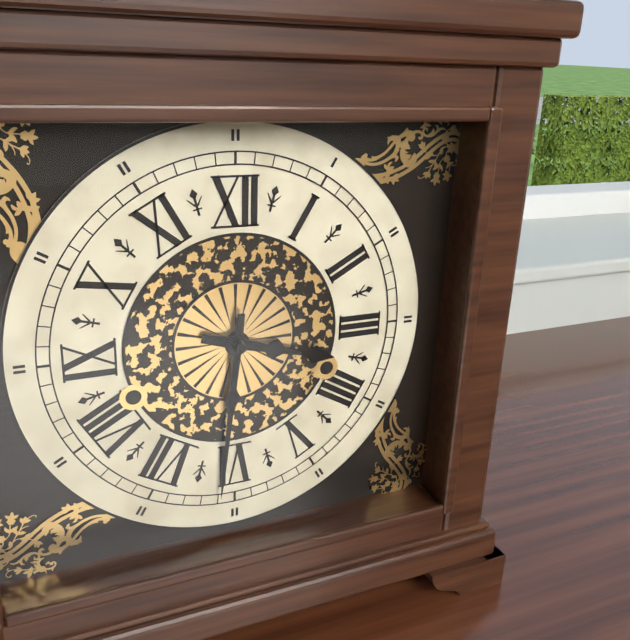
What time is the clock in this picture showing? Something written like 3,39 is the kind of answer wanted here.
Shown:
3,31
